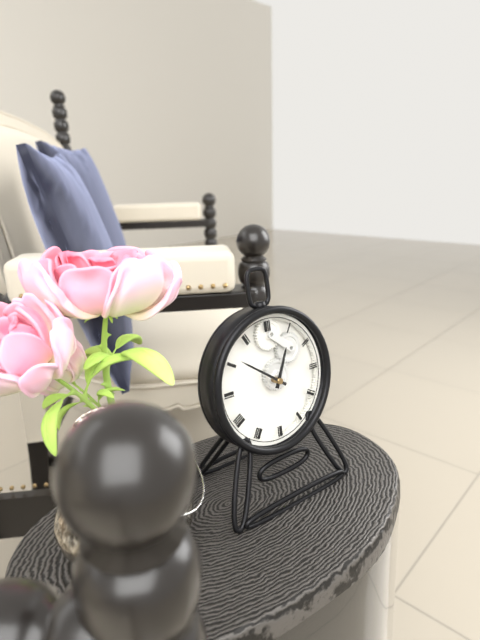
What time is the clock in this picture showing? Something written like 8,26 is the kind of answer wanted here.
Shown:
12,51
